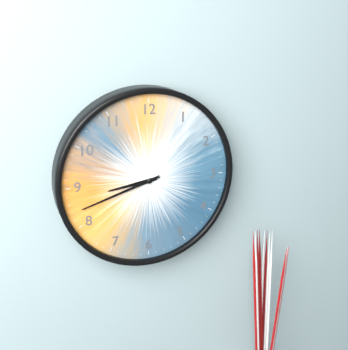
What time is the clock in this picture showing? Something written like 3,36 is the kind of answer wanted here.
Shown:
8,42
